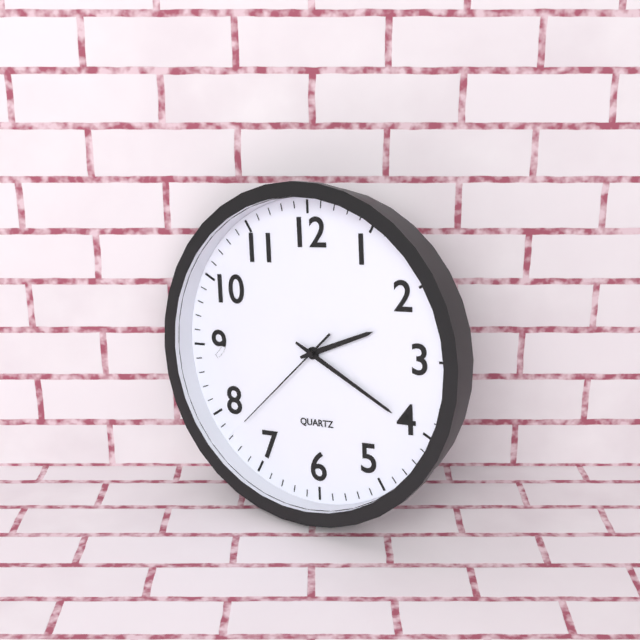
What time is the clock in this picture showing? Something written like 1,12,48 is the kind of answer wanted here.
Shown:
2,20,38
